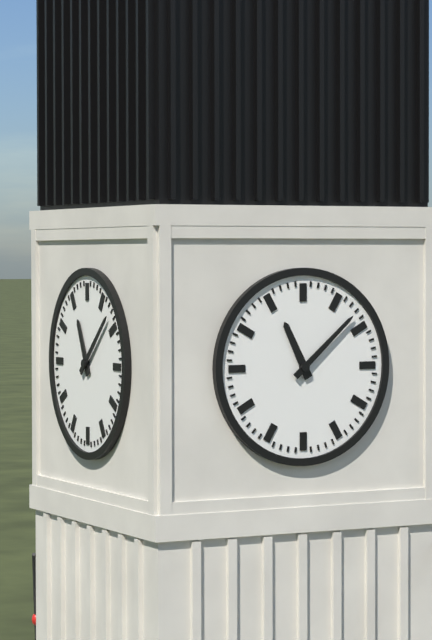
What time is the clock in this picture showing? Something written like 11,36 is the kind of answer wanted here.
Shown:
11,08
